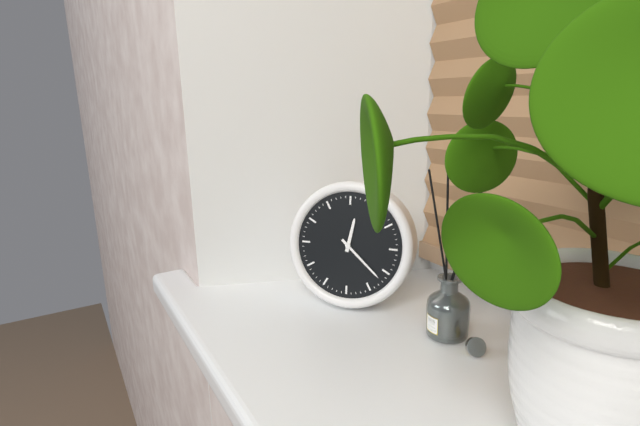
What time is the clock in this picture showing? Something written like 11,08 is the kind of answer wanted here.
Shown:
12,22
